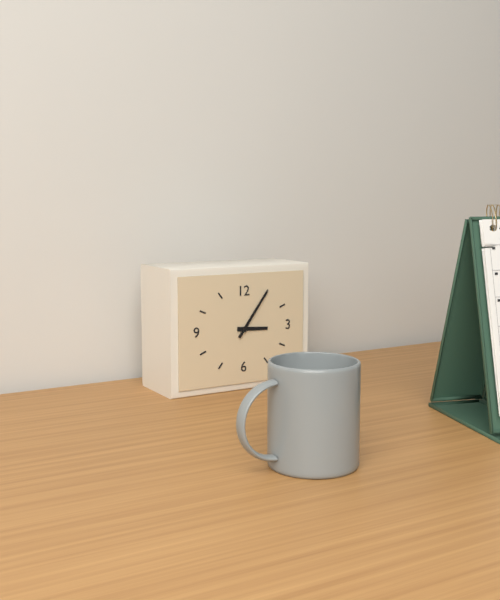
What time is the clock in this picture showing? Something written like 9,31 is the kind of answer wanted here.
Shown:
3,06
